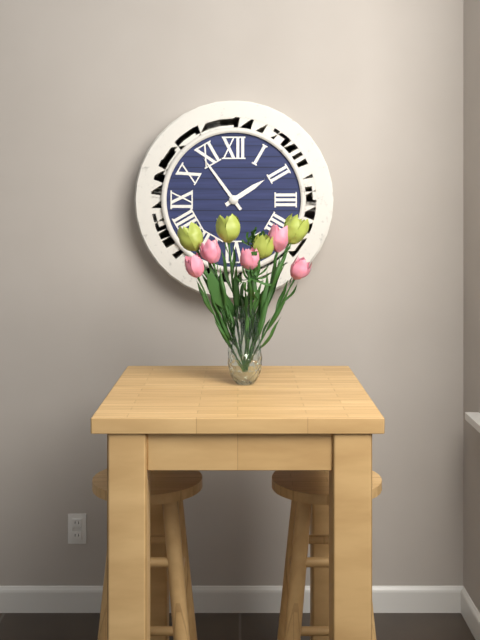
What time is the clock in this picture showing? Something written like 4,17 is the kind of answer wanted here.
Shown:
1,54
